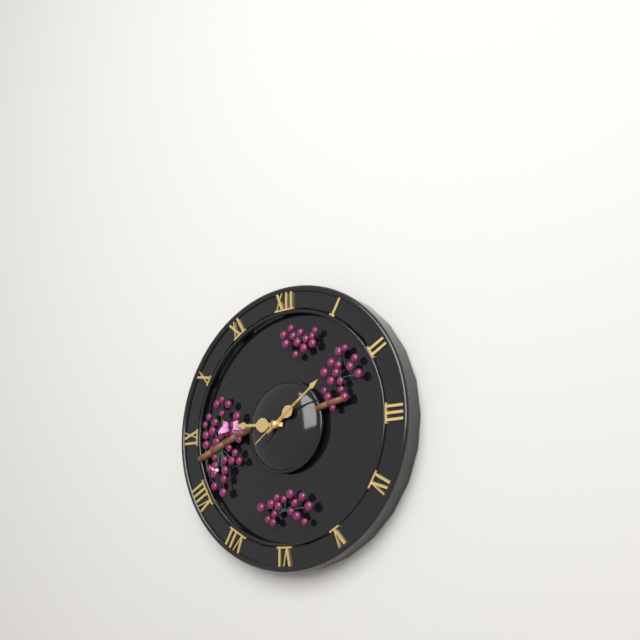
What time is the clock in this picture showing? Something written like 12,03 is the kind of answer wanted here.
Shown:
9,09
